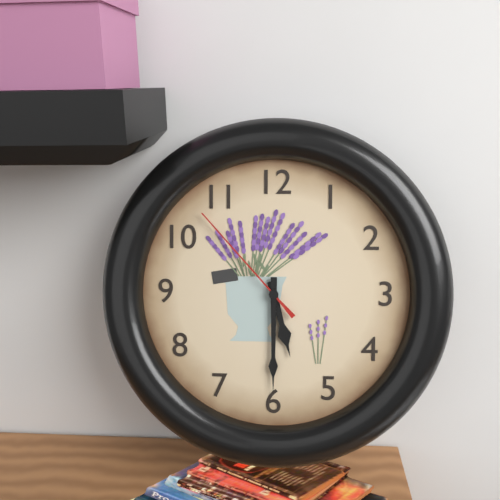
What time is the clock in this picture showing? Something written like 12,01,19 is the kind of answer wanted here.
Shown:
5,30,53
